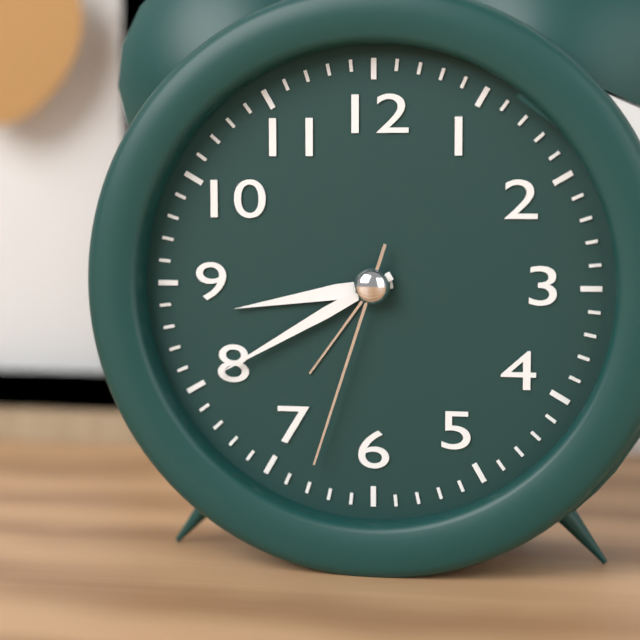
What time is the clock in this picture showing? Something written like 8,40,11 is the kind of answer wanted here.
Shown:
8,40,33
